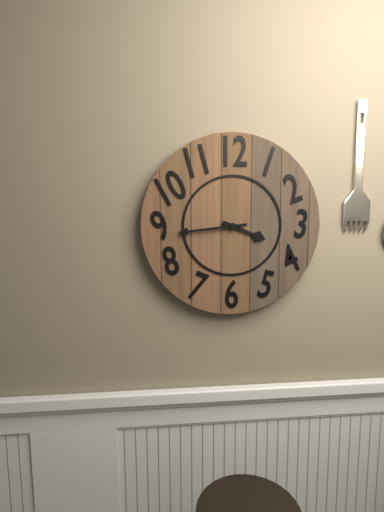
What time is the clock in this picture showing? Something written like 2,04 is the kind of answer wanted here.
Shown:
3,44
